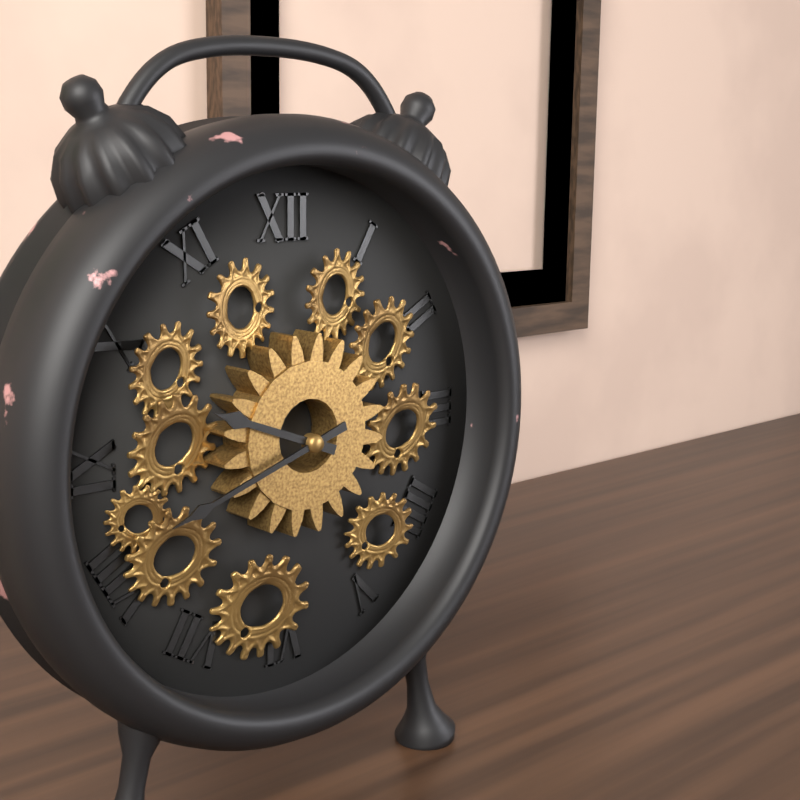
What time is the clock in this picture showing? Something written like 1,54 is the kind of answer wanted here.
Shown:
9,42
